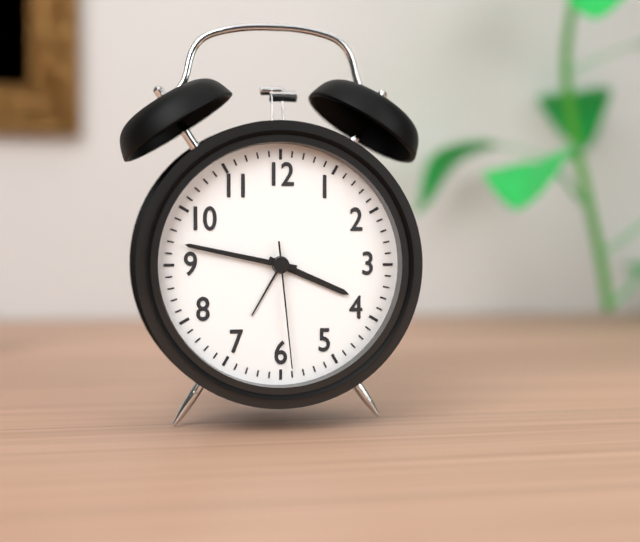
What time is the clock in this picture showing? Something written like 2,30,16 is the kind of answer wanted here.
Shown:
3,47,29
